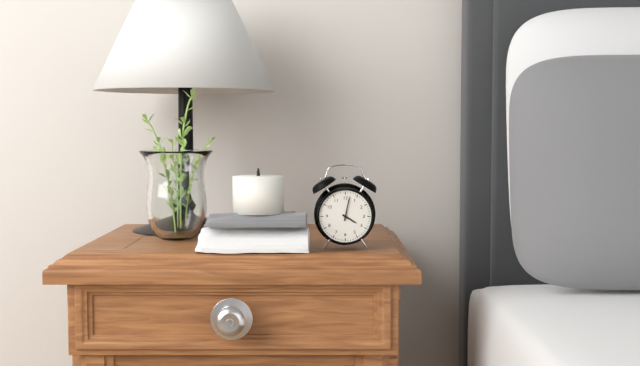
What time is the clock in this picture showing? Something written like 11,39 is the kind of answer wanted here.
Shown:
4,02
